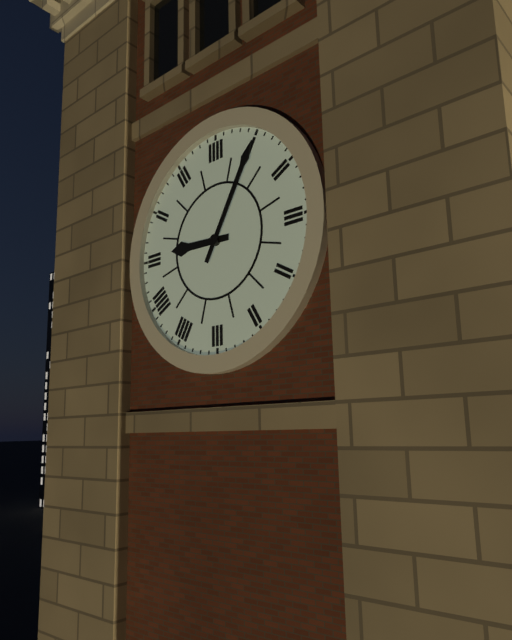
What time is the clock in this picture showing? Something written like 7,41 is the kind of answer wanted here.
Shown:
9,05
